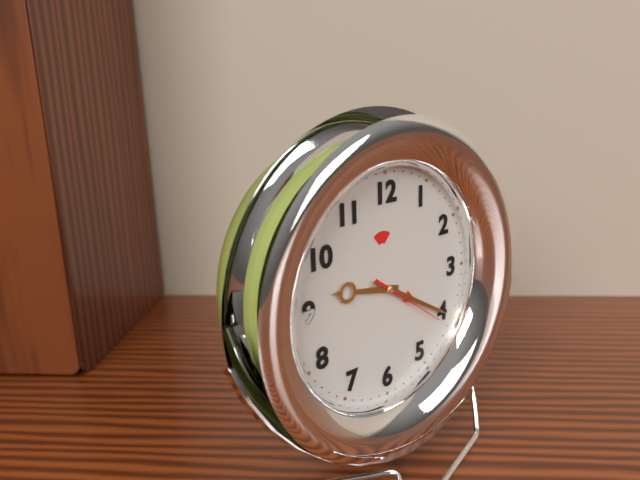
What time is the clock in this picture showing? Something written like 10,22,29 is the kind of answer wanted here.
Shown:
9,20,21
